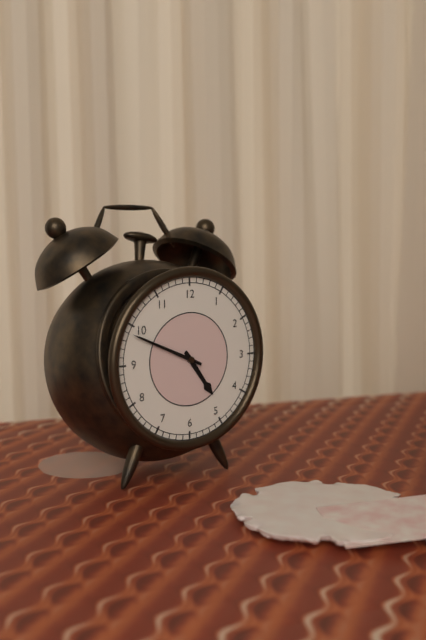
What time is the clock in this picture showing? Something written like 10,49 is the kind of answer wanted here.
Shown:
4,49
